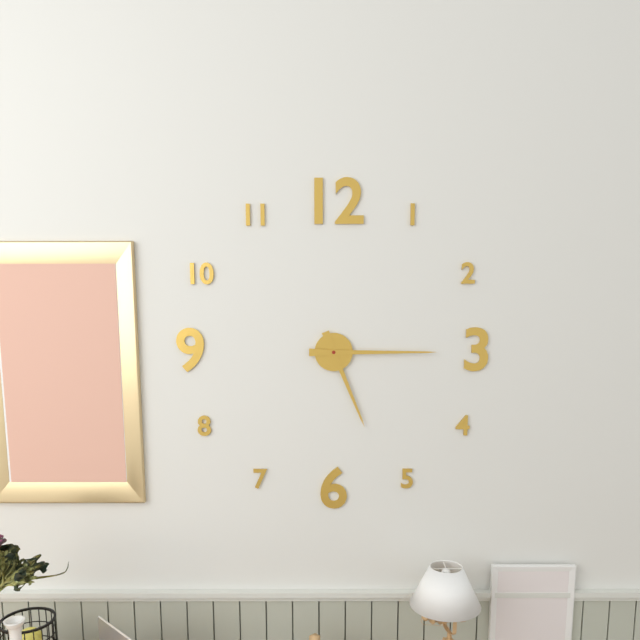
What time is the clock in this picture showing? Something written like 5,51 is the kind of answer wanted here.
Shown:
5,15
